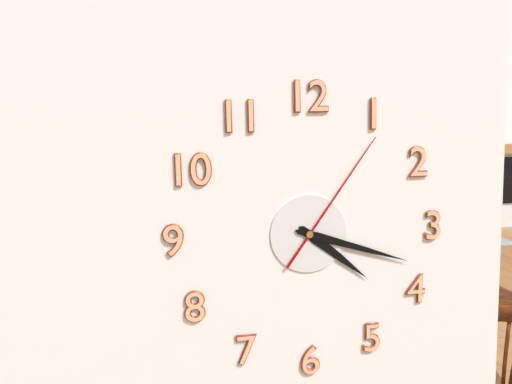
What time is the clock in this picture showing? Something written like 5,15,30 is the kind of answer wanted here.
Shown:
4,18,06
